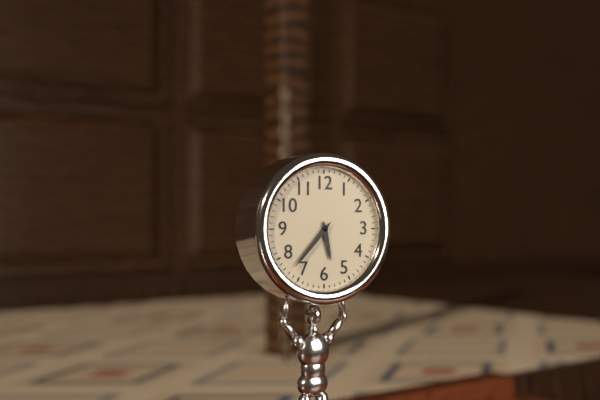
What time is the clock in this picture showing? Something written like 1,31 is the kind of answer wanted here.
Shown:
5,37
